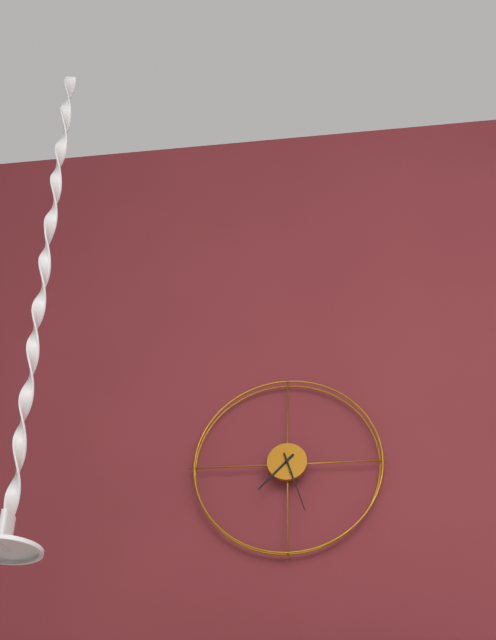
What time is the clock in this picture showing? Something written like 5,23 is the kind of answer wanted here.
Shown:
7,27
